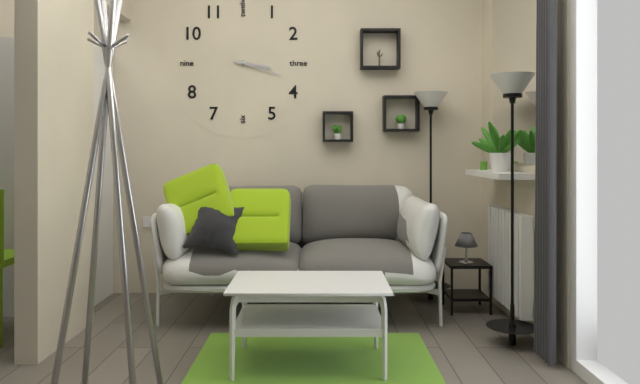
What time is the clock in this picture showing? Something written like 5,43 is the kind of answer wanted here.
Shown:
3,18
